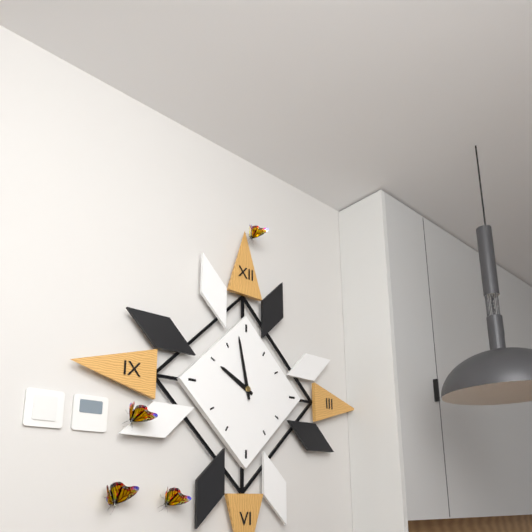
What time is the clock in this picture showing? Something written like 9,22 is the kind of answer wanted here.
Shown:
9,58
